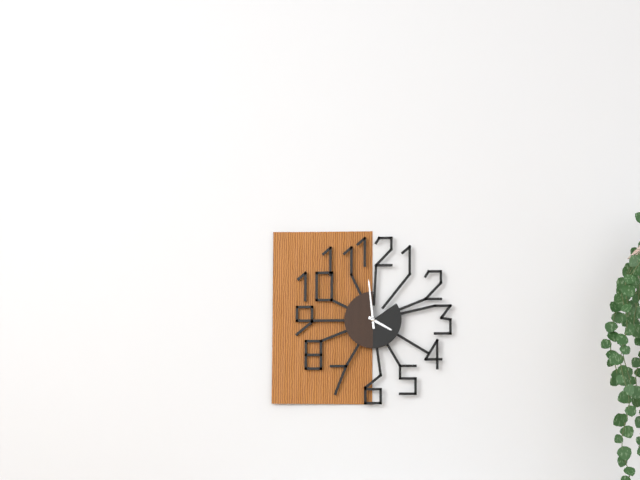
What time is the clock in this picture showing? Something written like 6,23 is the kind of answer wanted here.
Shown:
3,59
